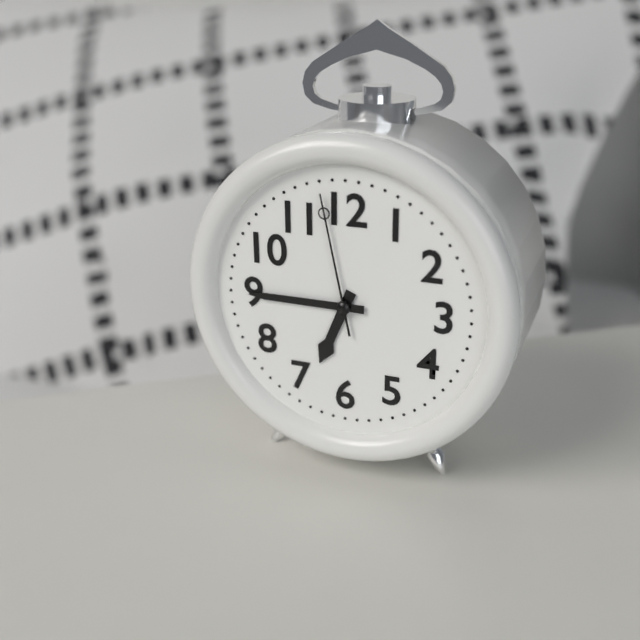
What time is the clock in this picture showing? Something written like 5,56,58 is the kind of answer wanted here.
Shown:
6,45,58
